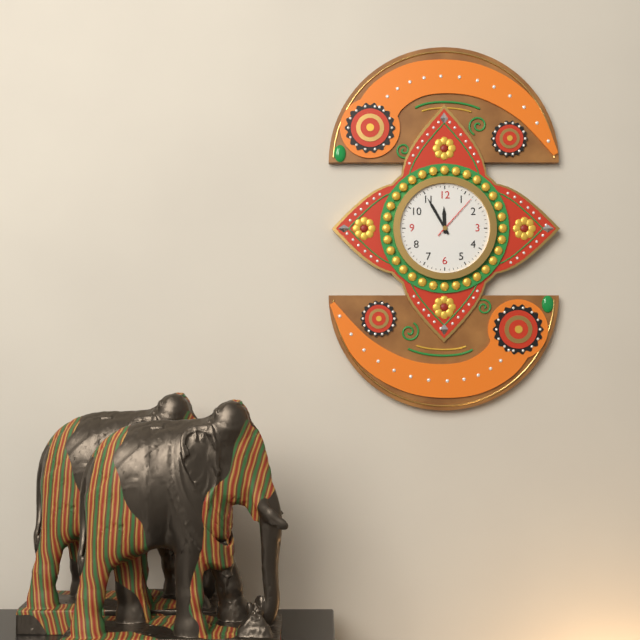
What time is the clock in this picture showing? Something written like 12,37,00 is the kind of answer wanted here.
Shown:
11,55,07
